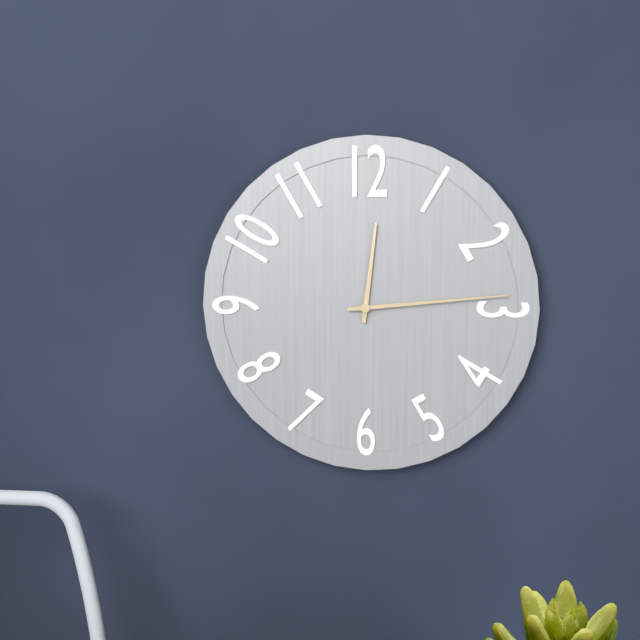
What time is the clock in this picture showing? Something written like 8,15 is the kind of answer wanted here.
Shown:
12,14
